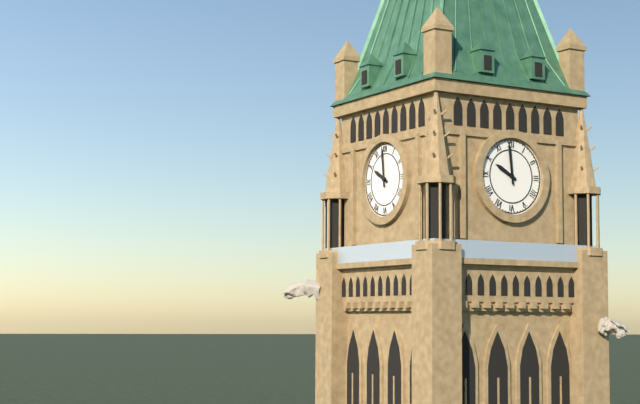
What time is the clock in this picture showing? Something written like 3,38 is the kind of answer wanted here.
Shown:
9,59
